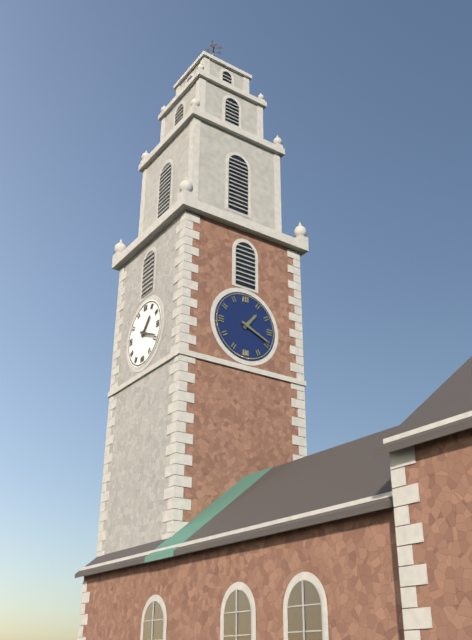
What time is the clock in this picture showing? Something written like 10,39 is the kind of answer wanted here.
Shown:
1,19
